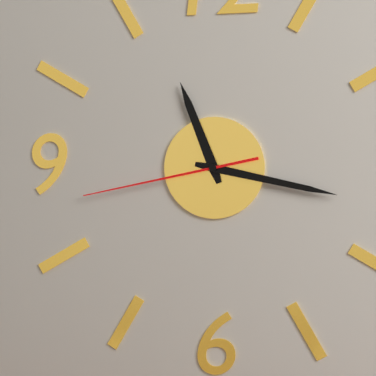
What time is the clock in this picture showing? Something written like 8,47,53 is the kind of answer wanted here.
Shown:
11,17,43
